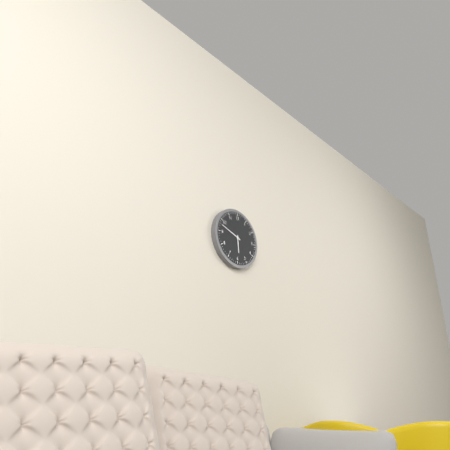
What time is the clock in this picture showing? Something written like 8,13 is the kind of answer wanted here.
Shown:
5,48
